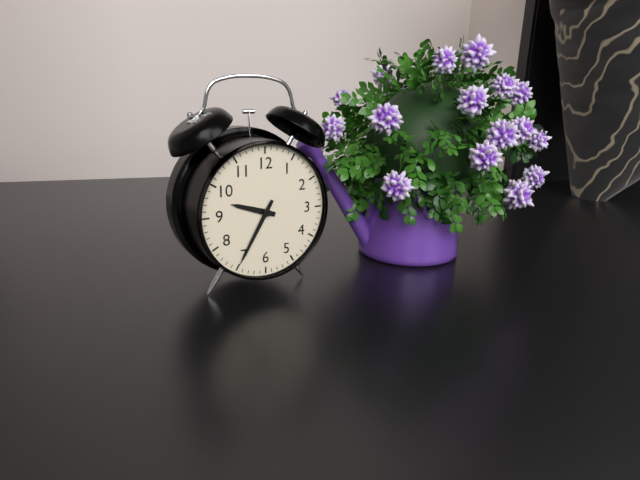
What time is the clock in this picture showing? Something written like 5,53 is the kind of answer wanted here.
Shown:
9,35
